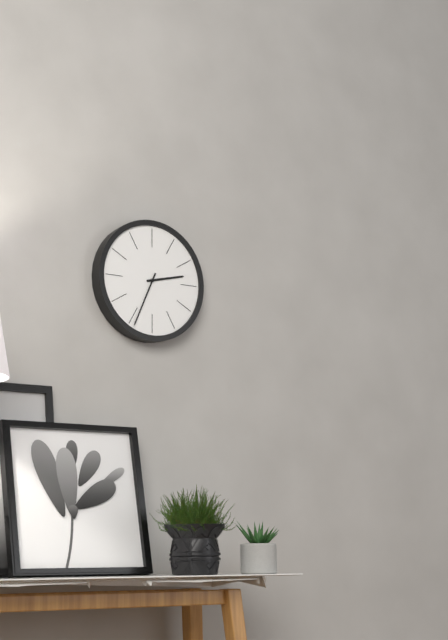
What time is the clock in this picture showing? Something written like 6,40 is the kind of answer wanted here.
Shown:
2,34
